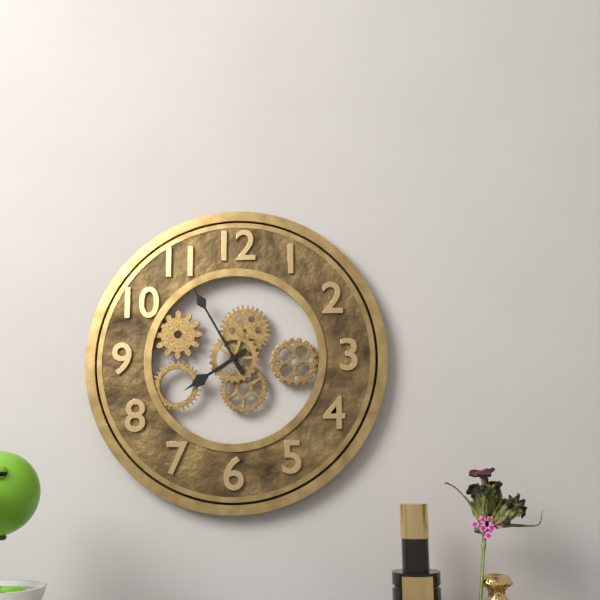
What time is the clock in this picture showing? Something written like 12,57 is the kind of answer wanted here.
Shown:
7,55
